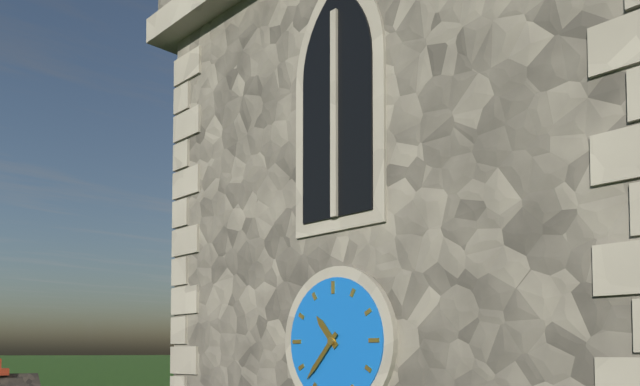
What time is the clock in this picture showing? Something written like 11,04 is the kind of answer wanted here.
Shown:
10,37
